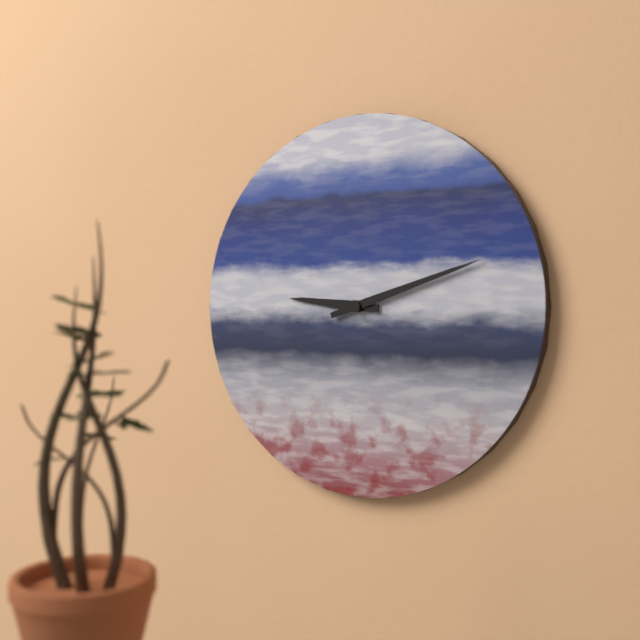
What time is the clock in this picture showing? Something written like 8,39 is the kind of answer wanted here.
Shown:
9,12
